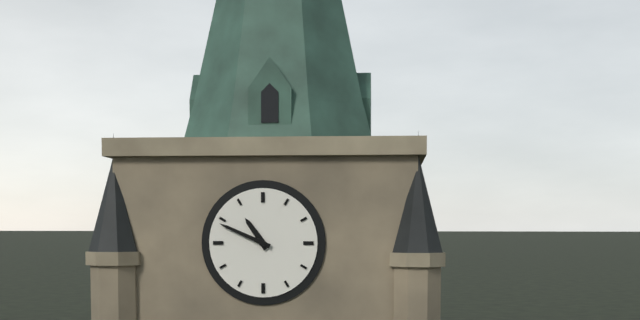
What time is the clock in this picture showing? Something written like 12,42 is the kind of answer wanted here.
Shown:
10,49
